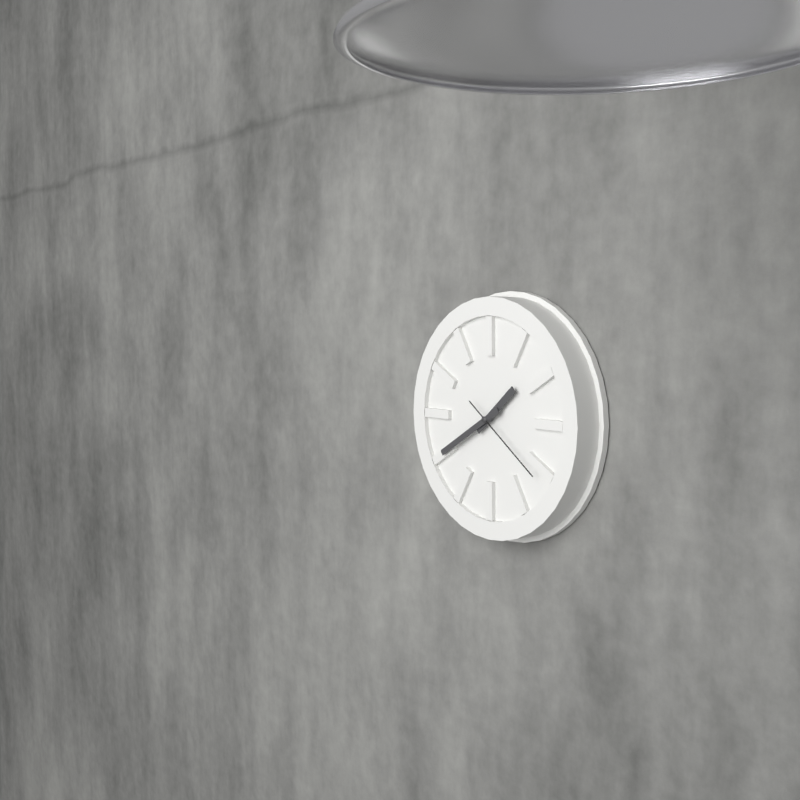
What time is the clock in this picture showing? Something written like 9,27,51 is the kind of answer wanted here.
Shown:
1,40,21
